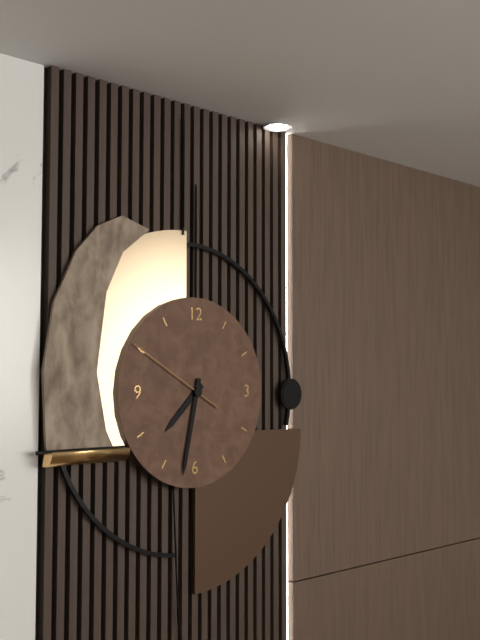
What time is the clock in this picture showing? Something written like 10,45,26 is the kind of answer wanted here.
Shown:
7,32,50
